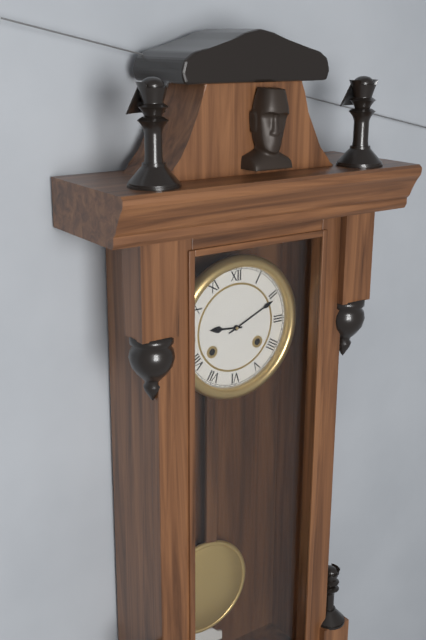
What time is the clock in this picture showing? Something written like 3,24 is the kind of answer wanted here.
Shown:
9,11
